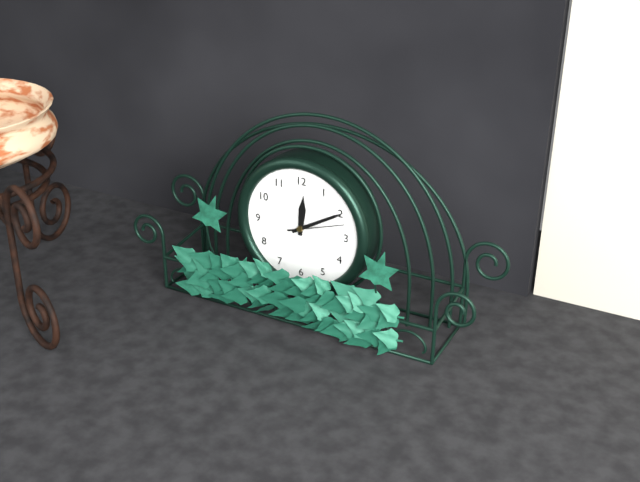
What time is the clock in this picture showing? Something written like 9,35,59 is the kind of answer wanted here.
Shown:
12,10,12
